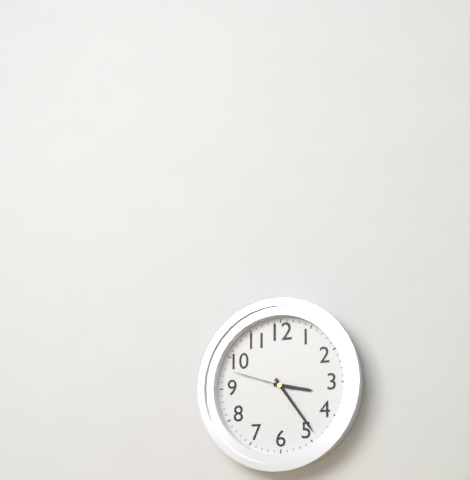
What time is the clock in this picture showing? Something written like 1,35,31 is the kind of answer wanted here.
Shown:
3,24,48
